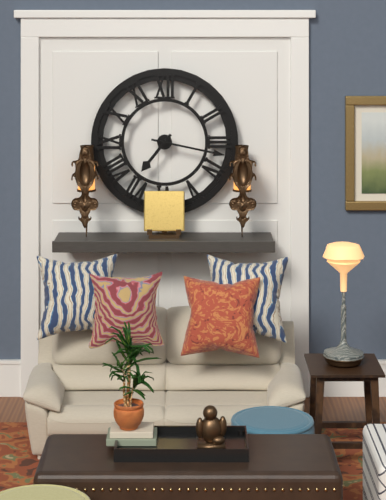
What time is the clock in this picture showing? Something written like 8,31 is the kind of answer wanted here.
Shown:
7,17
